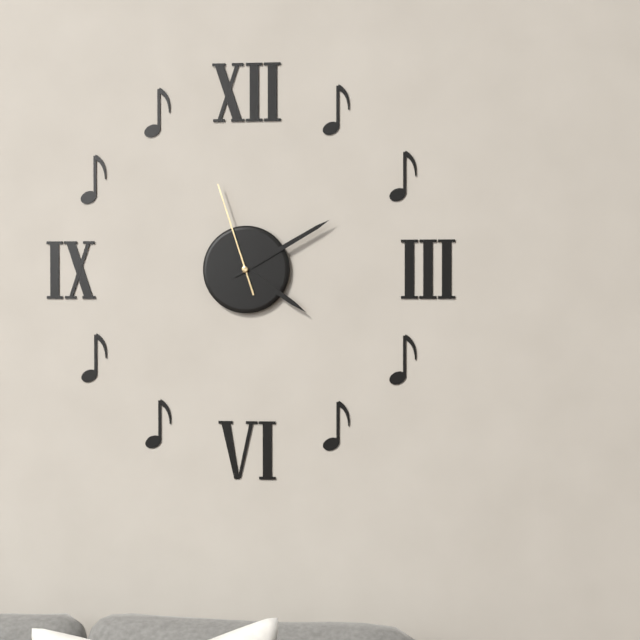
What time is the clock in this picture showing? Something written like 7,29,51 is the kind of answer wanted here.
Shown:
4,10,57
